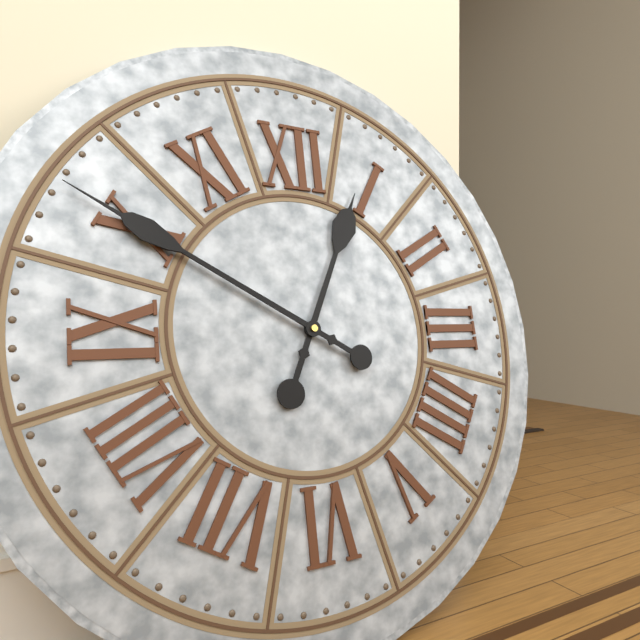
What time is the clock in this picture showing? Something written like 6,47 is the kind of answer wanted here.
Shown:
12,50
